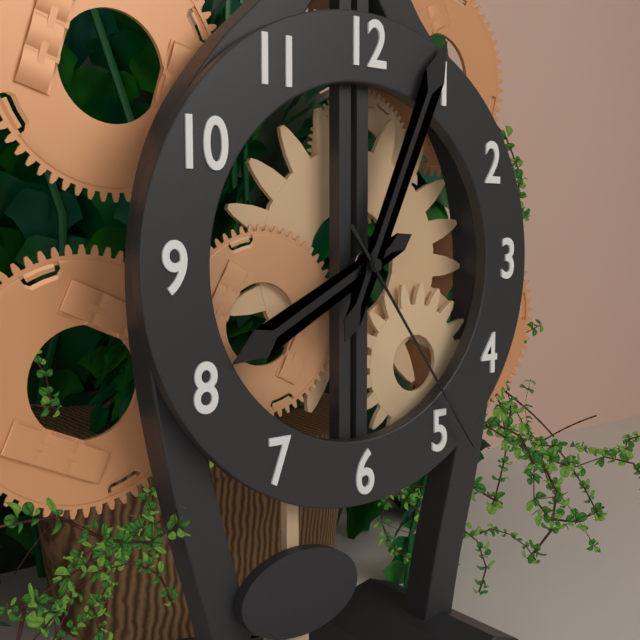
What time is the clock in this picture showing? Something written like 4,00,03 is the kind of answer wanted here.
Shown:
8,04,24
